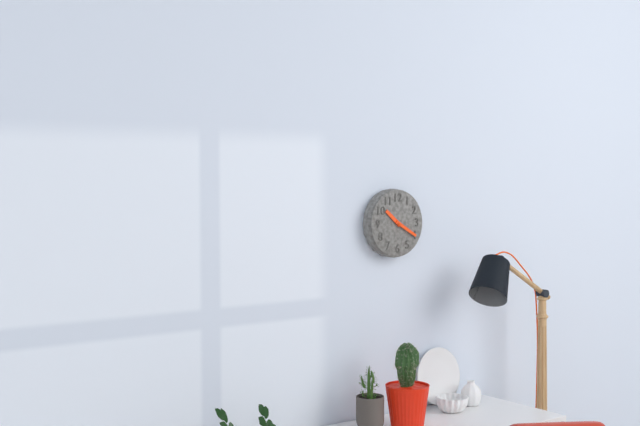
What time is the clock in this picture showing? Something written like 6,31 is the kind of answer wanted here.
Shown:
10,20
